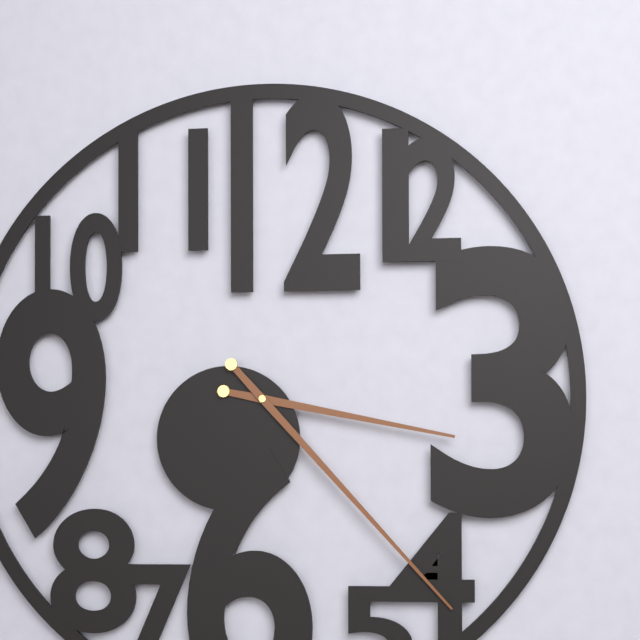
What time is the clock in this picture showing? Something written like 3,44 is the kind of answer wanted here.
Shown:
3,23
